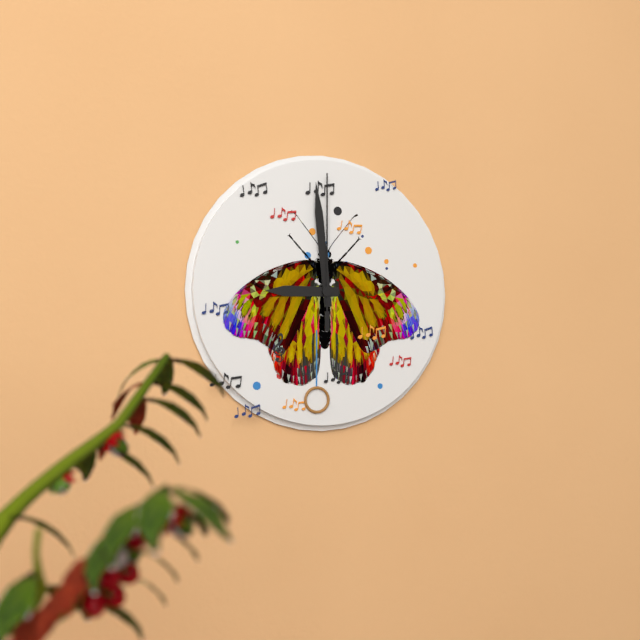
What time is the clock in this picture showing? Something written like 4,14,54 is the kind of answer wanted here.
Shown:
8,59,00
